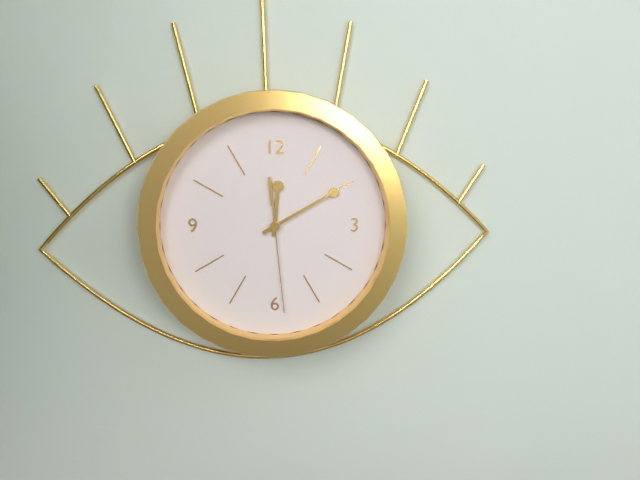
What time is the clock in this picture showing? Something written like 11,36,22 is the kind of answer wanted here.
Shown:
12,10,29
